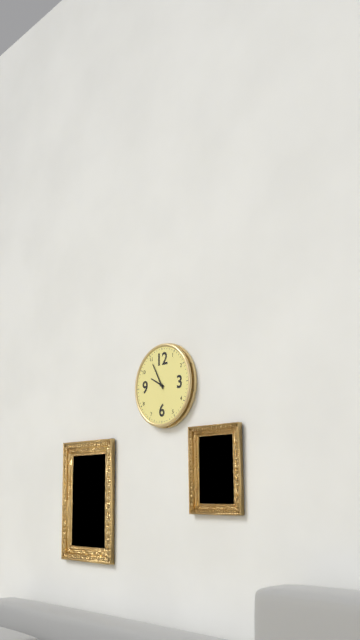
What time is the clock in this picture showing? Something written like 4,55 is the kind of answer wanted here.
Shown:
9,55
